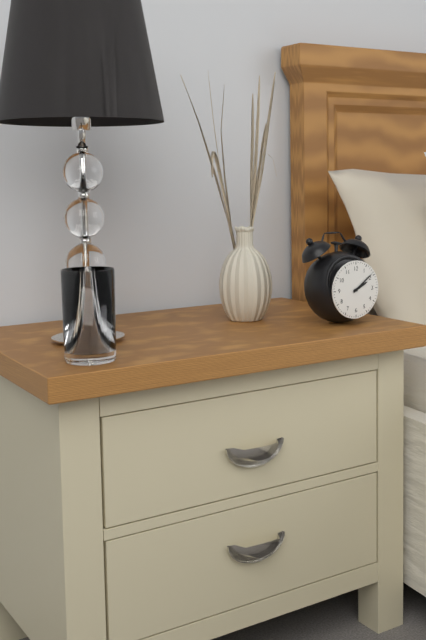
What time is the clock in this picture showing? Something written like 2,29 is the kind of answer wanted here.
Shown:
2,09
